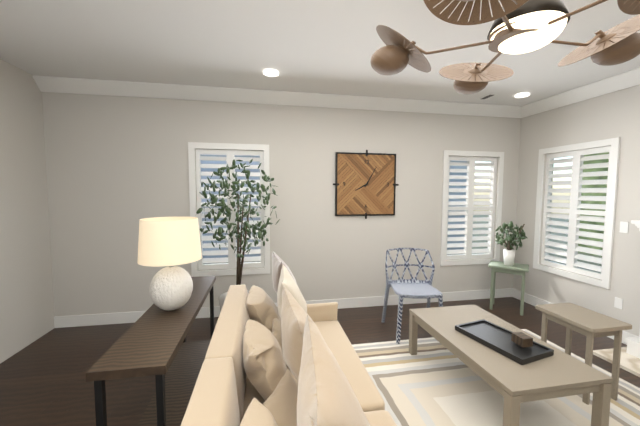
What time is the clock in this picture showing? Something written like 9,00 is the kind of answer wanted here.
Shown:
8,05
